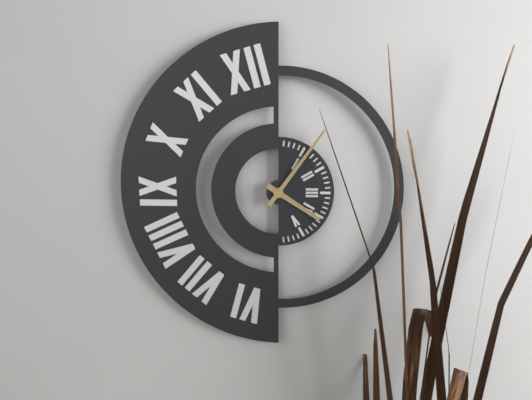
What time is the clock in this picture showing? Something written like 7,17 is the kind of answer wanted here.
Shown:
4,06
